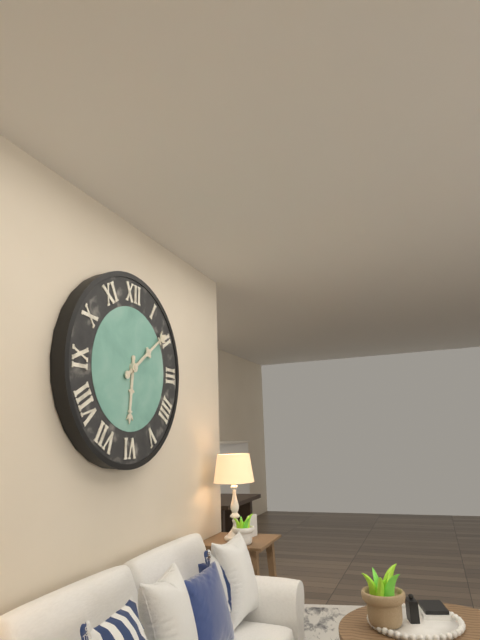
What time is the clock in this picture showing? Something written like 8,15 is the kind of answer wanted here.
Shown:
6,09
